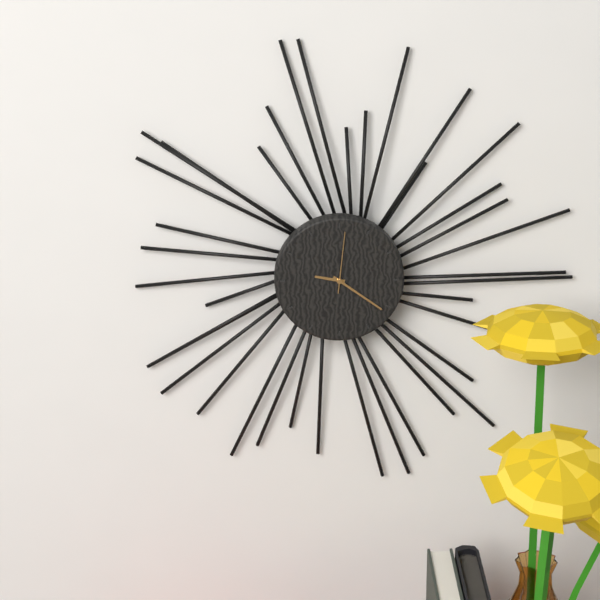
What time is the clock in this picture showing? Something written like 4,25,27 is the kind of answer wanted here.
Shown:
9,21,01
